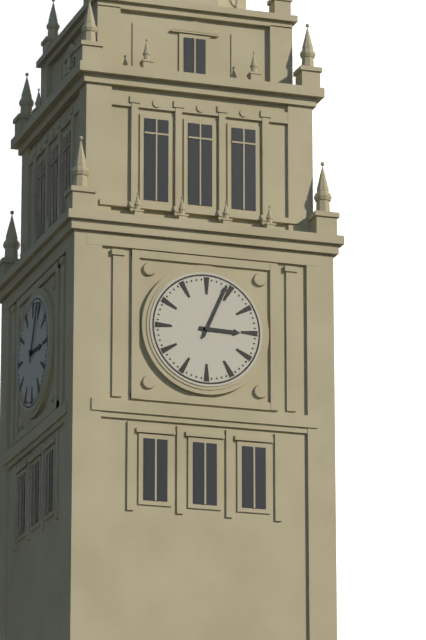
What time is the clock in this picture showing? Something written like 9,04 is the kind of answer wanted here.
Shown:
3,04
